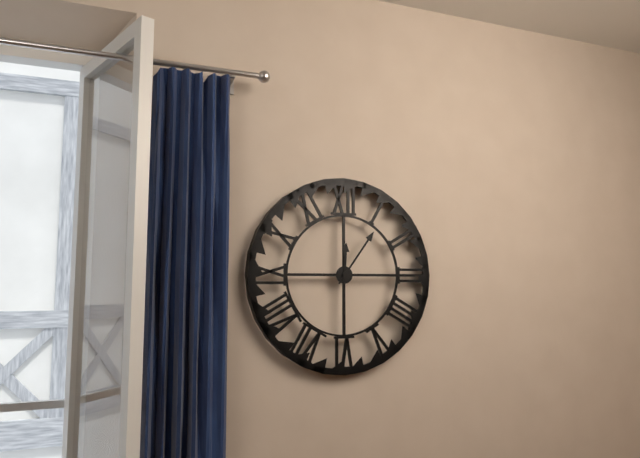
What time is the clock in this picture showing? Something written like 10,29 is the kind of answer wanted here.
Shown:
12,06
